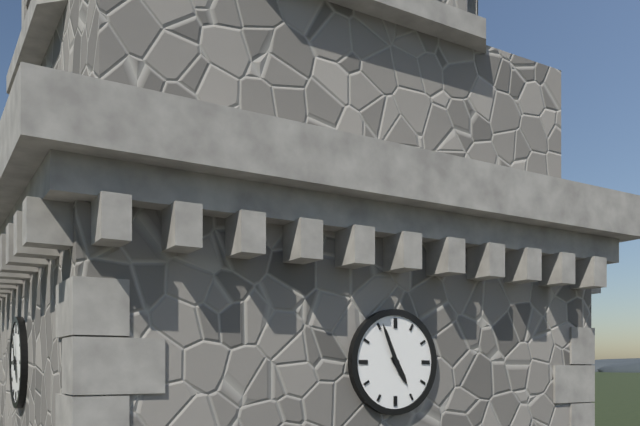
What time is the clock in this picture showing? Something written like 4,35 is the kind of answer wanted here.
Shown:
4,56
